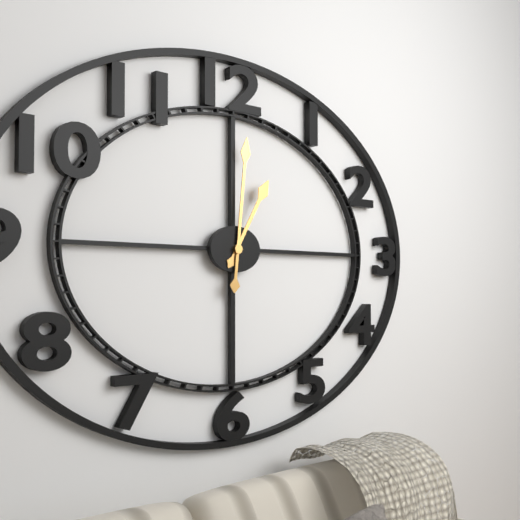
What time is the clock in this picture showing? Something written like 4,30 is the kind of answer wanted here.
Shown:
1,01
